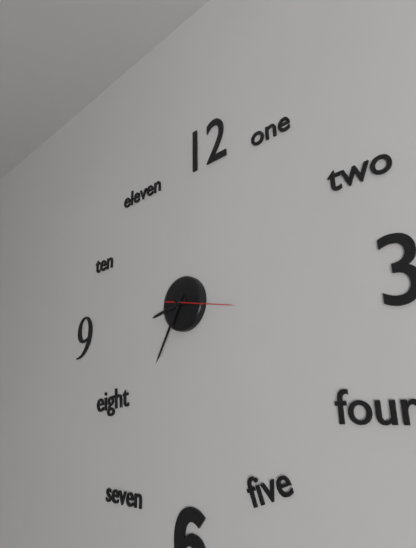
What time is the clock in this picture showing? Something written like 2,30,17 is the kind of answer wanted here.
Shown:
8,35,17
